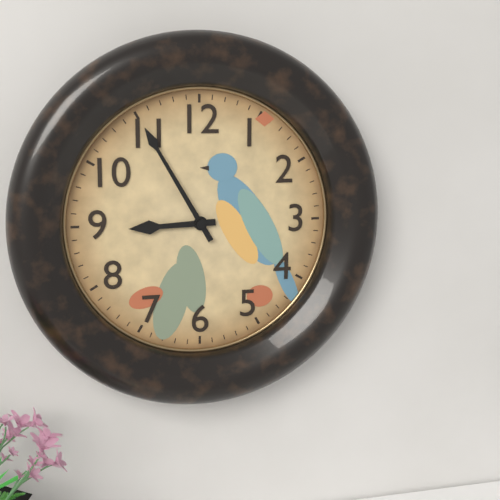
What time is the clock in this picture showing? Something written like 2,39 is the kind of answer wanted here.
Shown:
8,55
